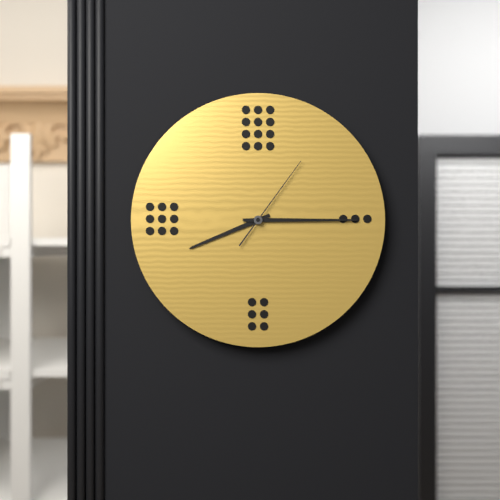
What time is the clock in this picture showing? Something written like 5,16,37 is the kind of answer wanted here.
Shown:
8,15,06
